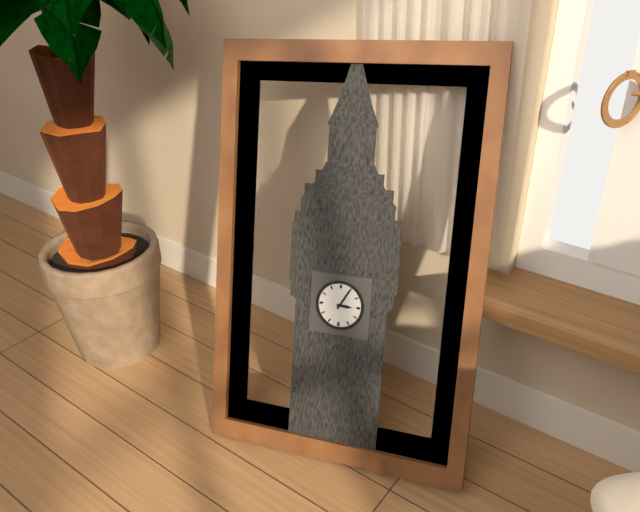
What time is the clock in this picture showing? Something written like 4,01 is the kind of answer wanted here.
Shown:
3,05
